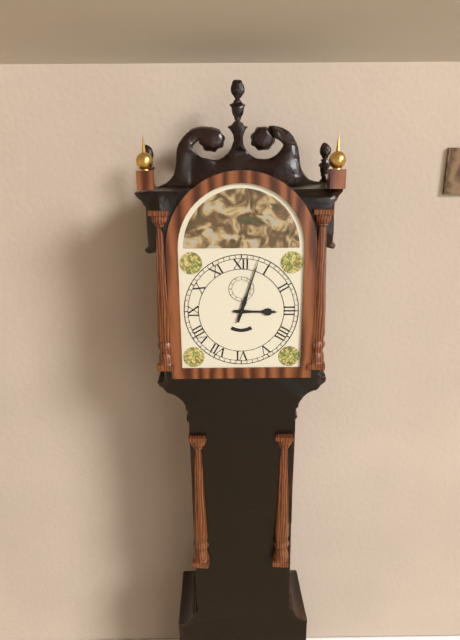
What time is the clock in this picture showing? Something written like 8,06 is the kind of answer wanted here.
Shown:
3,03
